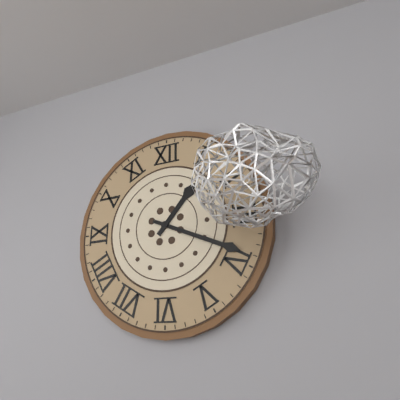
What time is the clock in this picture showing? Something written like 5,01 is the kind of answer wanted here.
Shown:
1,19
